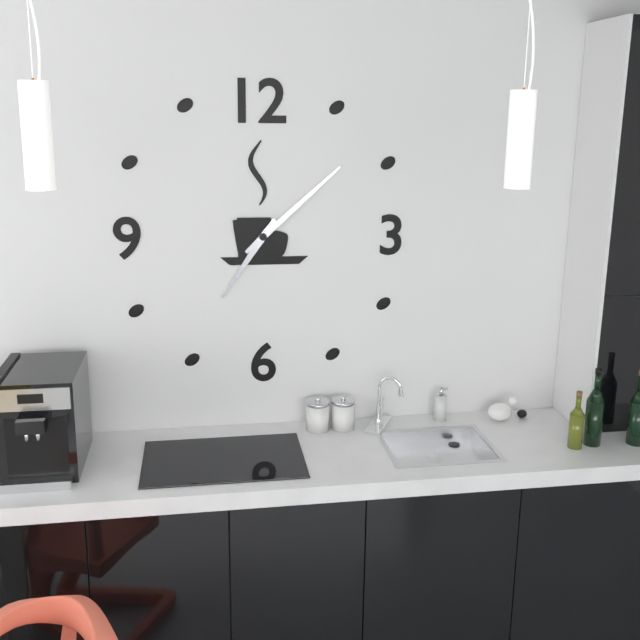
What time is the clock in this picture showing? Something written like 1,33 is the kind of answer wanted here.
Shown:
7,08
